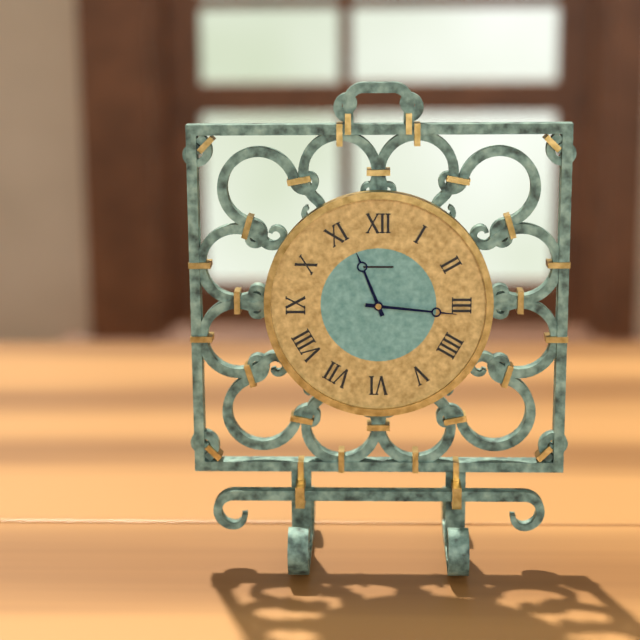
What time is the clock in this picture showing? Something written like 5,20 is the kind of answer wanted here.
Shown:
11,16
